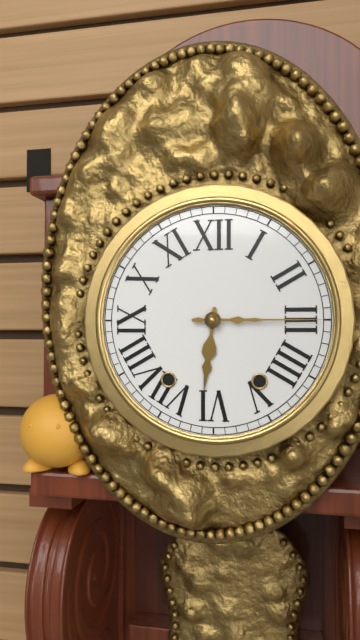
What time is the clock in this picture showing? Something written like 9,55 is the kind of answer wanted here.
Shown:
6,15
